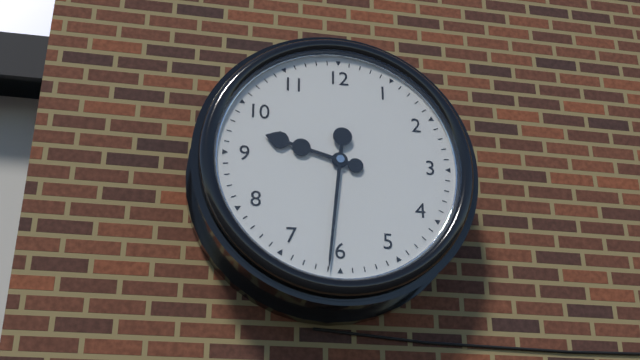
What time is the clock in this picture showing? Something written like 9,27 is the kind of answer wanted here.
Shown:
9,31
